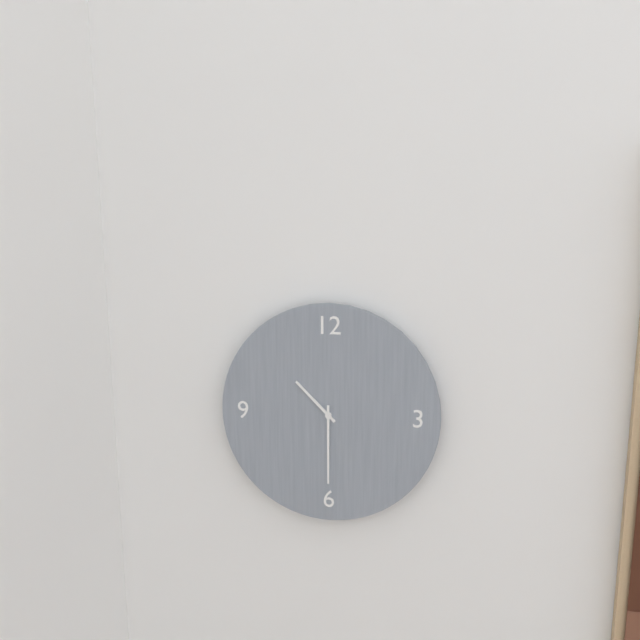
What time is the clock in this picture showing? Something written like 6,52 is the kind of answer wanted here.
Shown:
10,30
